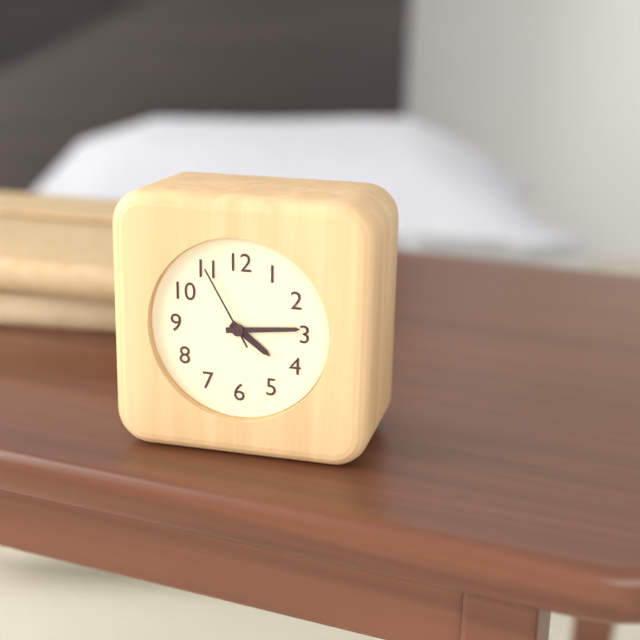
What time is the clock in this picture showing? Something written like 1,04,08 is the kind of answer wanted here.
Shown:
4,14,55
